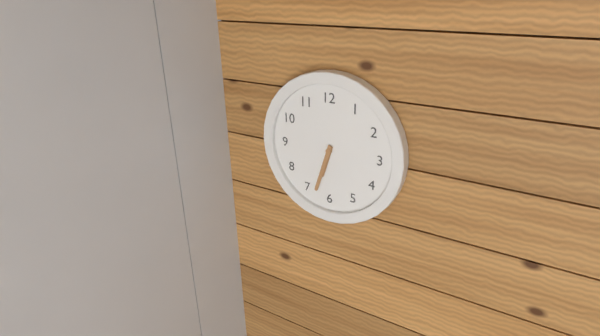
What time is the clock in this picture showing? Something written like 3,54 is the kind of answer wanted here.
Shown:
6,33
